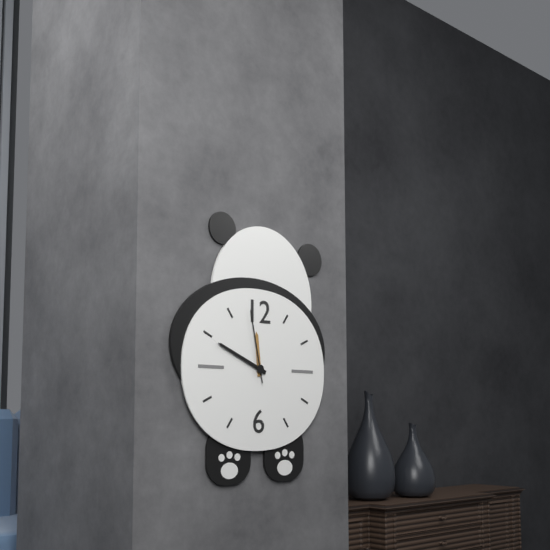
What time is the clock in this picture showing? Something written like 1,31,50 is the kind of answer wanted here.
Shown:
11,49,58
